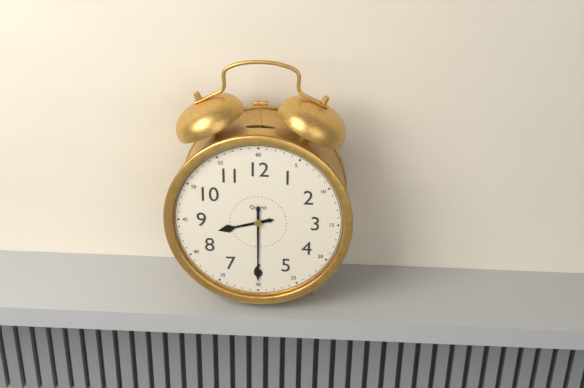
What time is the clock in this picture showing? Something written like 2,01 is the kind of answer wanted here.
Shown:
8,30
